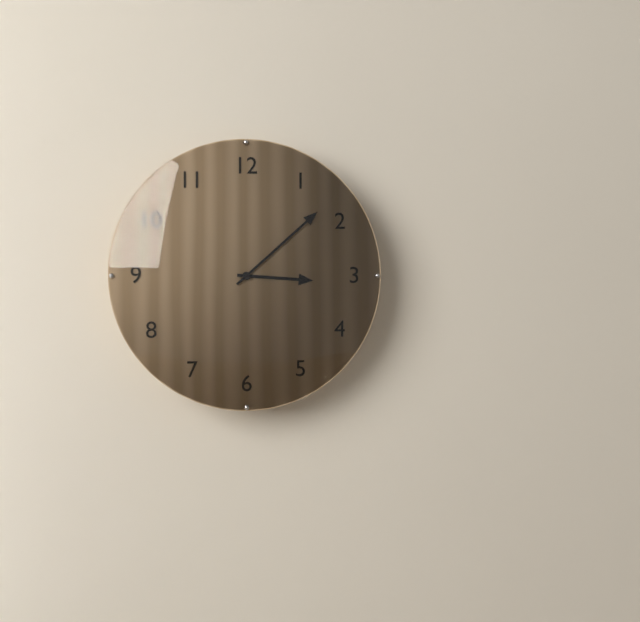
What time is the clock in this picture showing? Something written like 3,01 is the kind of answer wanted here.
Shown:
3,08
